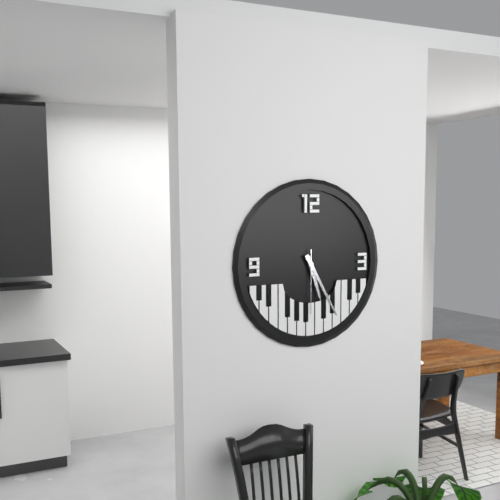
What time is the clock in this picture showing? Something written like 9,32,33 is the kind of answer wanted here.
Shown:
5,25,30
